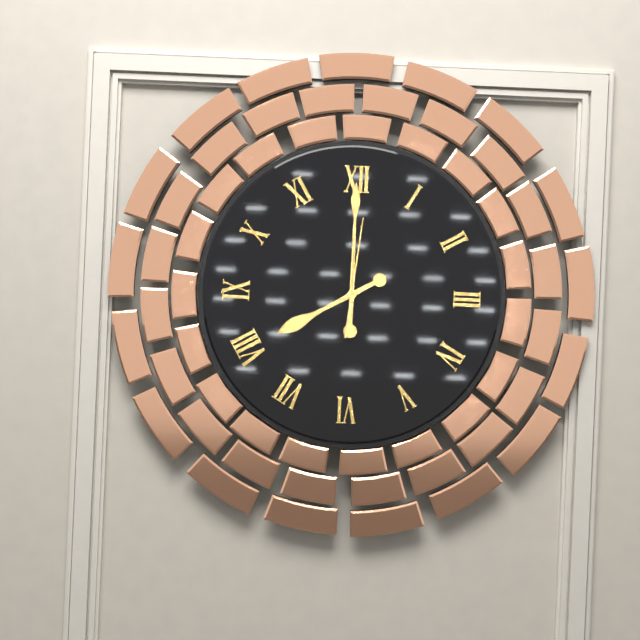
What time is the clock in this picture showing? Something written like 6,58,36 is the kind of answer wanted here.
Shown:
8,00,01
